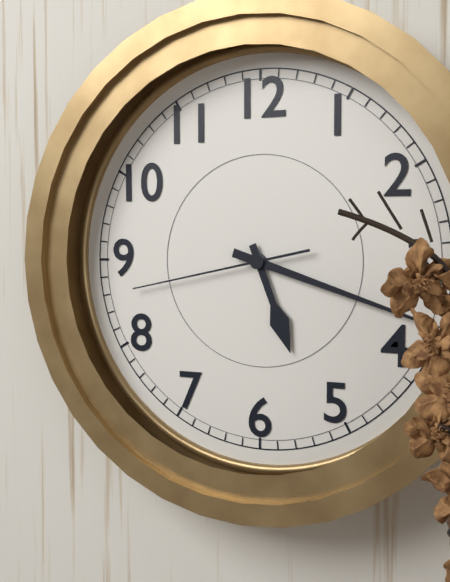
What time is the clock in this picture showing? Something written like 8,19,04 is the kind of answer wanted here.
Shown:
5,18,43
